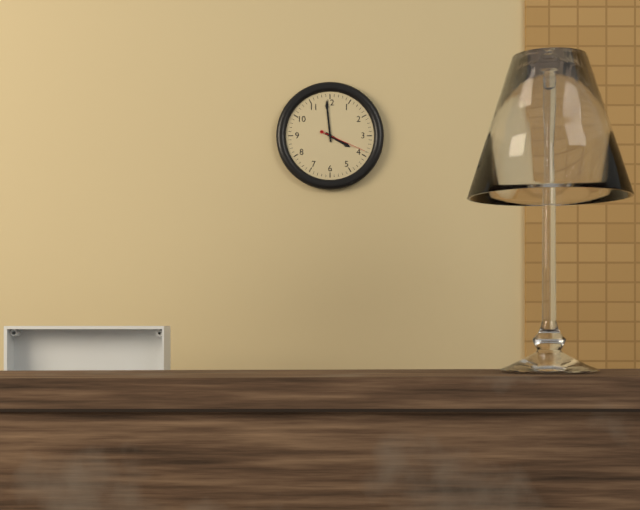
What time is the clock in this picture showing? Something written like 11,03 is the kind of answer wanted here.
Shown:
3,59
